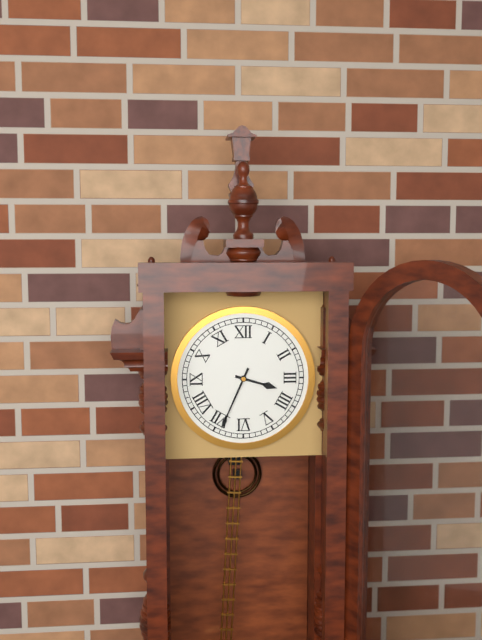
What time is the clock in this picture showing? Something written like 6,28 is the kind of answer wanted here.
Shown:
3,34
